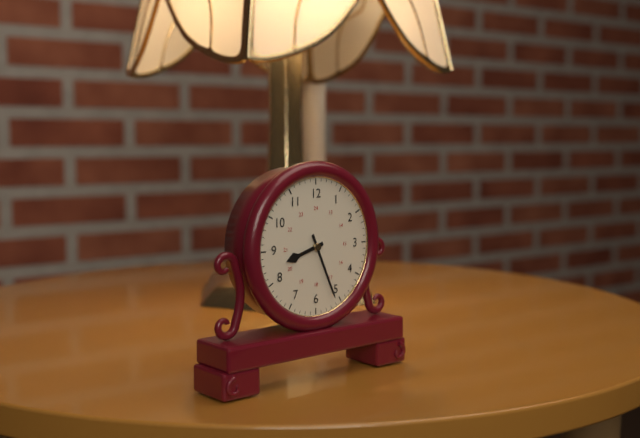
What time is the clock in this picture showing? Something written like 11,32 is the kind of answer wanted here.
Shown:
8,26
